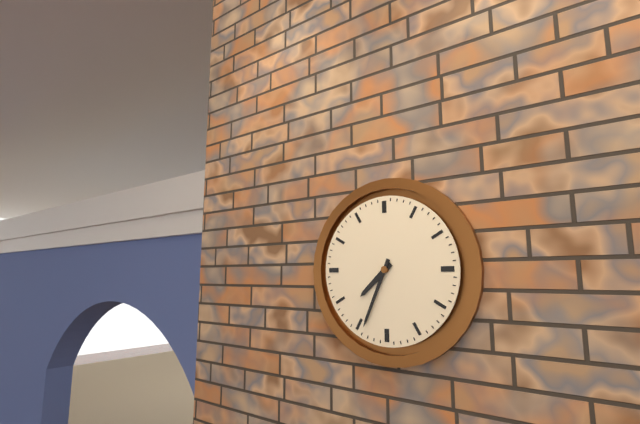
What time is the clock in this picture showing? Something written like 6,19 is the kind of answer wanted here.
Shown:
7,34
